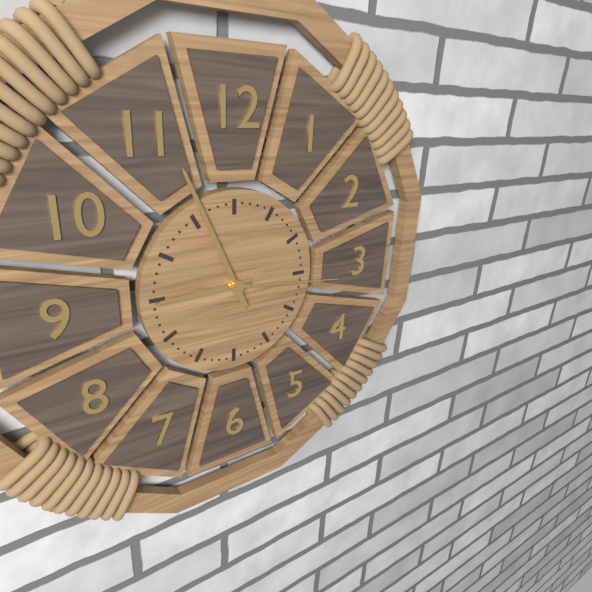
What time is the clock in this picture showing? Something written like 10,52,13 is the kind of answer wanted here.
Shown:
8,56,16
